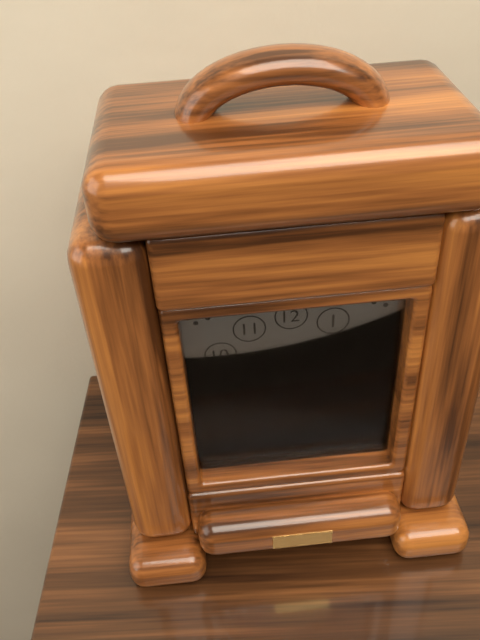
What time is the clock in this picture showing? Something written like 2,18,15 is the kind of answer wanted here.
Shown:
1,32,28
